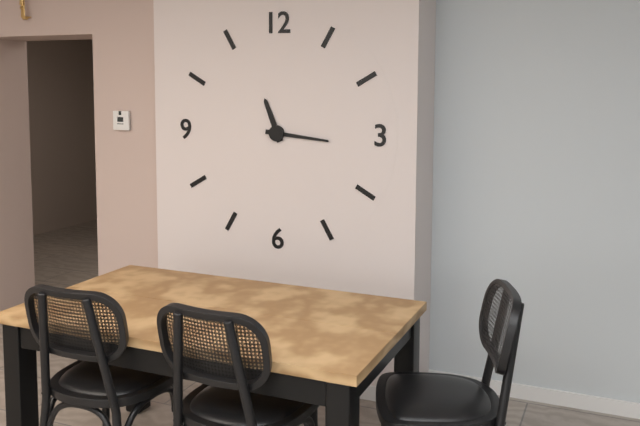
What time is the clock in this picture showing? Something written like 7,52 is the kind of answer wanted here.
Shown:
11,16
